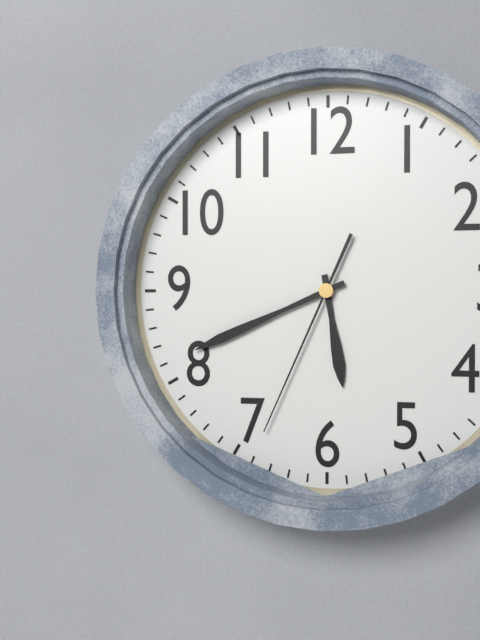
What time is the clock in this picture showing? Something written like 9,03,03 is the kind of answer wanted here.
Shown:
5,41,34
